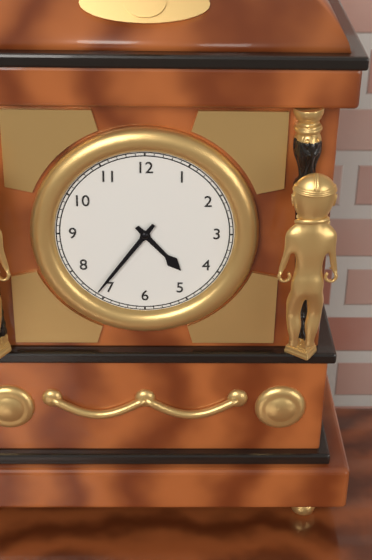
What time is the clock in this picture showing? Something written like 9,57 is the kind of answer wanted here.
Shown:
4,36
